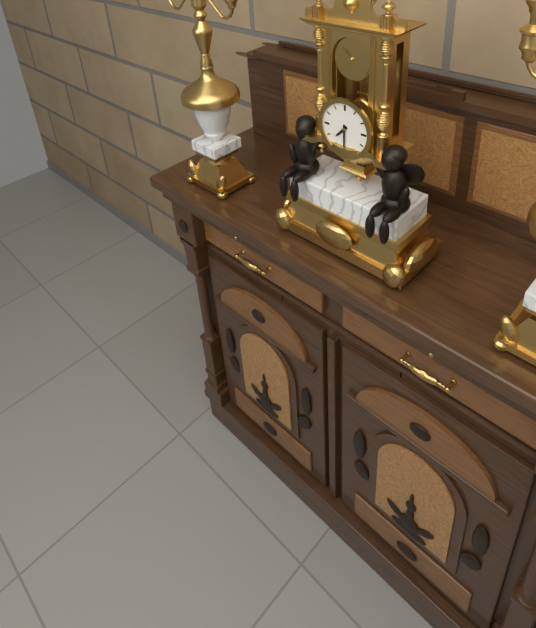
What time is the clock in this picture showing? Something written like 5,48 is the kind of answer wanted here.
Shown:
7,30
